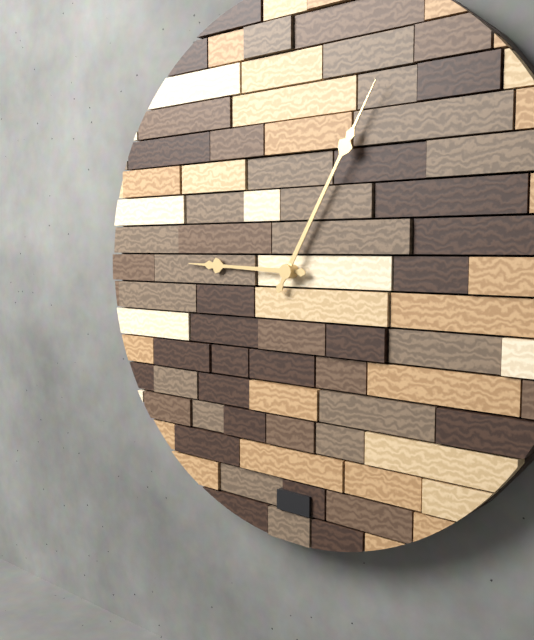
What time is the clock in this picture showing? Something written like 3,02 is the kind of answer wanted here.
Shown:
9,05
